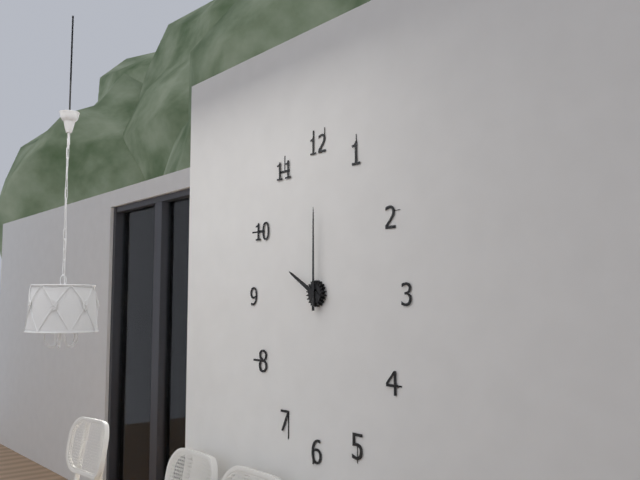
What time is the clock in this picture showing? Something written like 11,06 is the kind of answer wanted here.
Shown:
10,00
